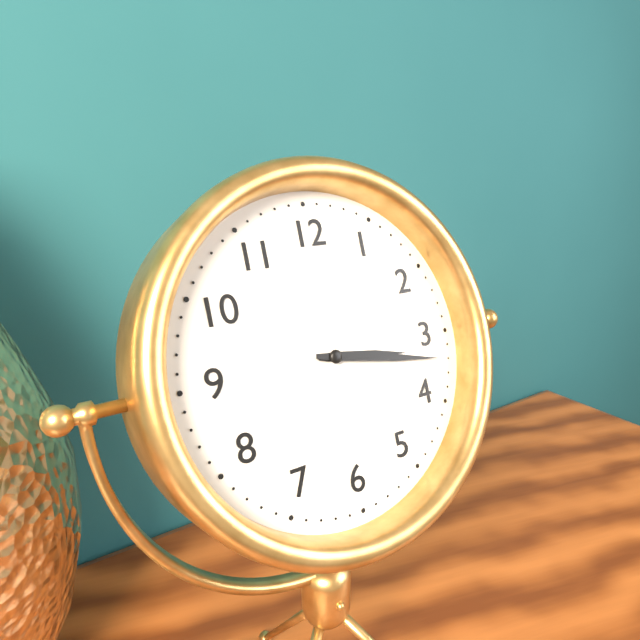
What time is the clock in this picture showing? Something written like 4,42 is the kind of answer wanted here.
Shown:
3,17
